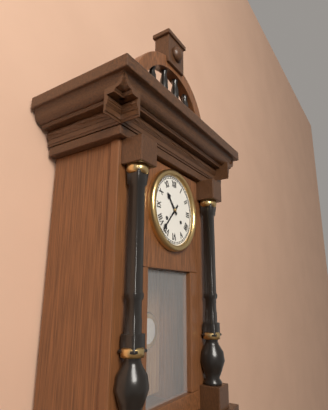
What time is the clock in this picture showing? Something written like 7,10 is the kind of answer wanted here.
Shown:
10,37
